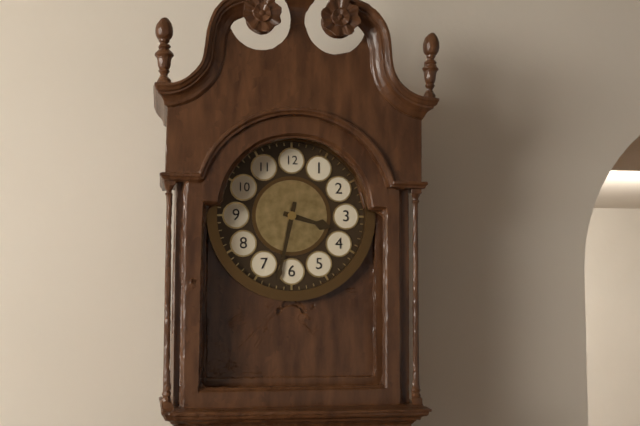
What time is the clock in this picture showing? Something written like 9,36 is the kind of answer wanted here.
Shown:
3,32
